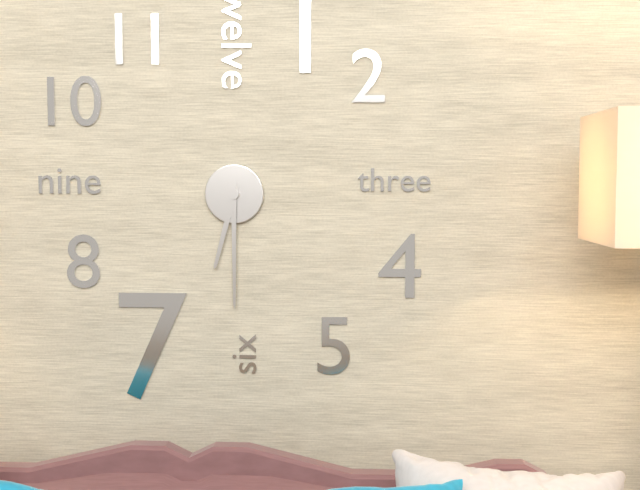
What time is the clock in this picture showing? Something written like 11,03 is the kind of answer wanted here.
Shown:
6,30
